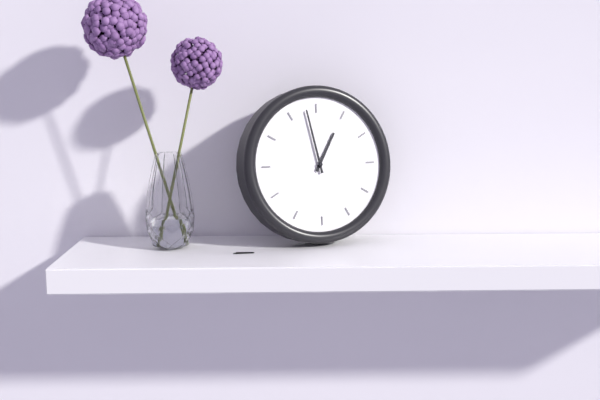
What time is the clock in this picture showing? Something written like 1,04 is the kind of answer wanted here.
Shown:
12,58
